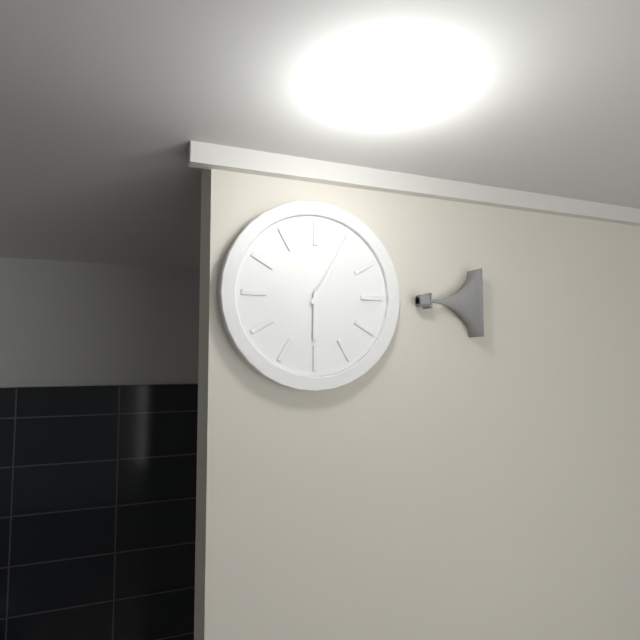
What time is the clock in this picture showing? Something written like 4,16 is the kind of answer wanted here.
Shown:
6,05
